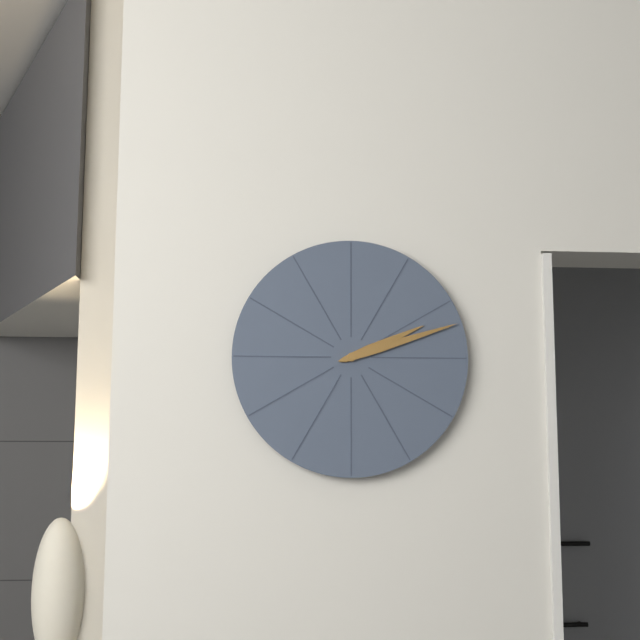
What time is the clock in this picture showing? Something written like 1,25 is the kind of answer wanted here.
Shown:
2,12
